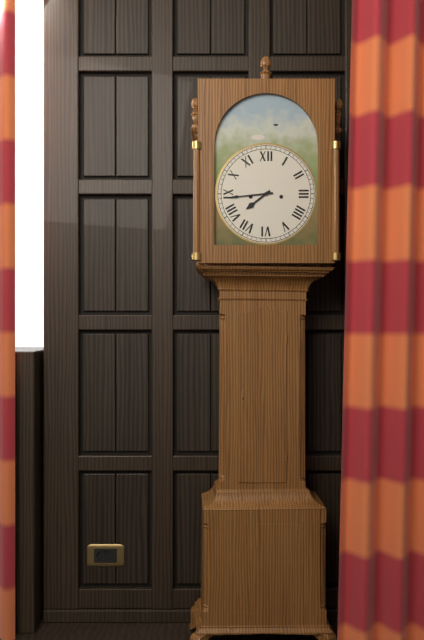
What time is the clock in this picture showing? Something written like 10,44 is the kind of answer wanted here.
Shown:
7,44
